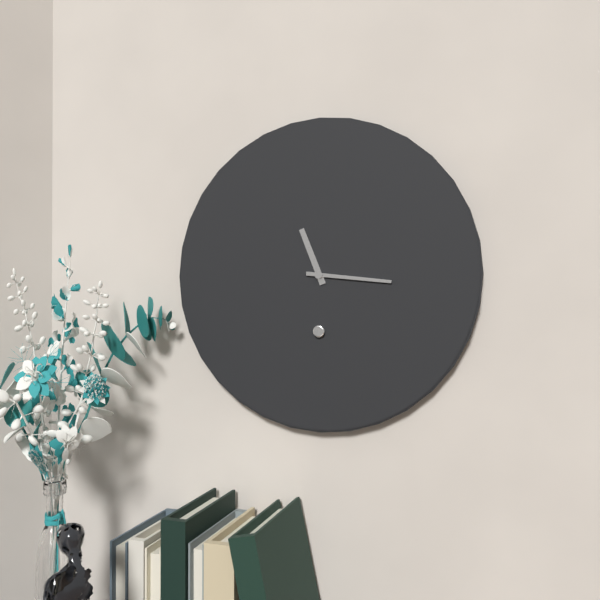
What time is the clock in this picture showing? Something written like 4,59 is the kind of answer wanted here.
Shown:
11,16
